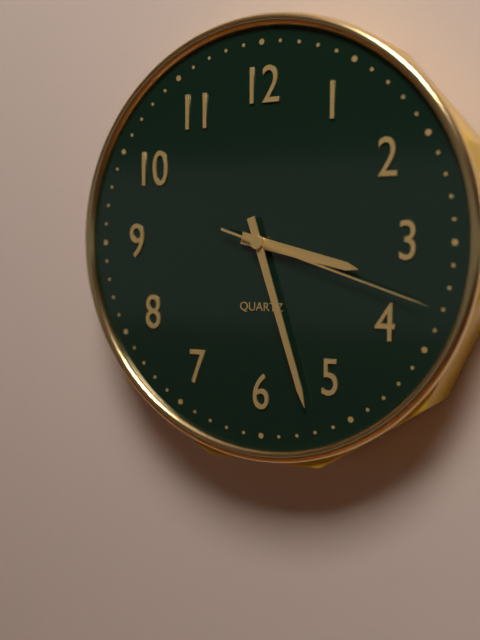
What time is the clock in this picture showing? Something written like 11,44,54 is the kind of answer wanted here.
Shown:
3,27,18
